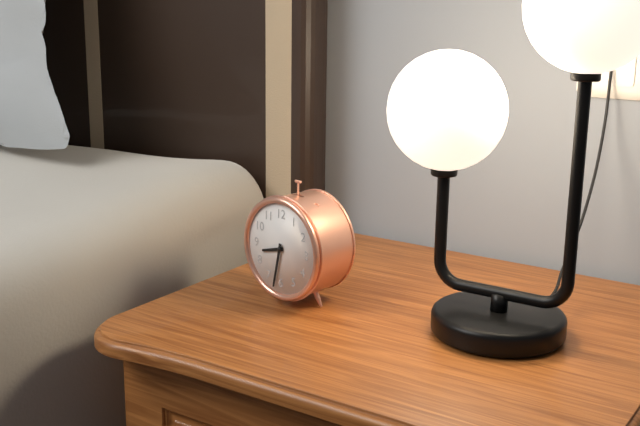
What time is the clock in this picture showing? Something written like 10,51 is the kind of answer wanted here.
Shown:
8,32
